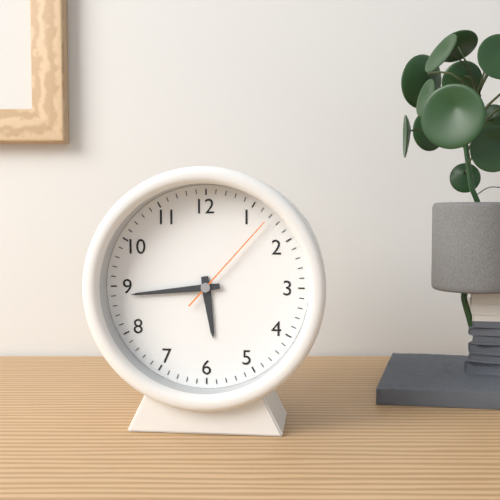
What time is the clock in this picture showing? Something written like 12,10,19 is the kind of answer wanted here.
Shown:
5,44,07
